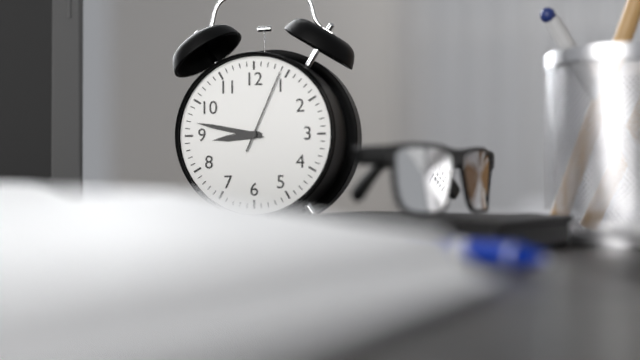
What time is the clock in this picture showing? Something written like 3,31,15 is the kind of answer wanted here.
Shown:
8,47,04
